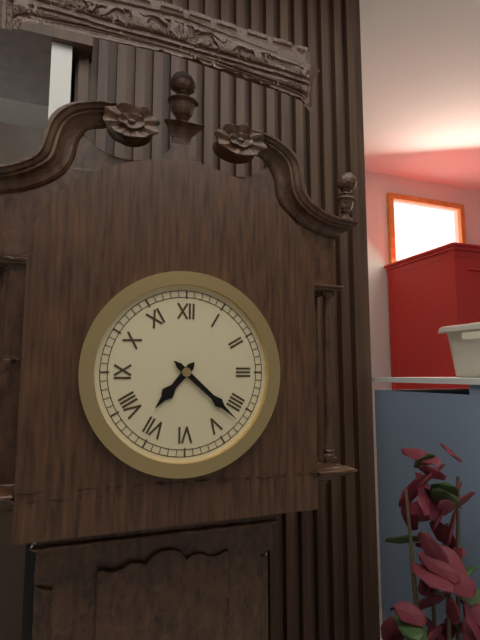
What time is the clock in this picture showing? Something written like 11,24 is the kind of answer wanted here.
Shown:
7,22
